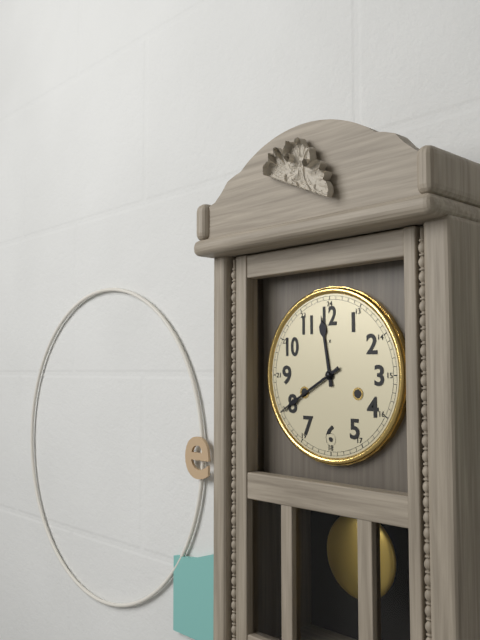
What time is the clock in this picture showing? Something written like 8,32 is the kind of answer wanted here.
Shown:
11,40
